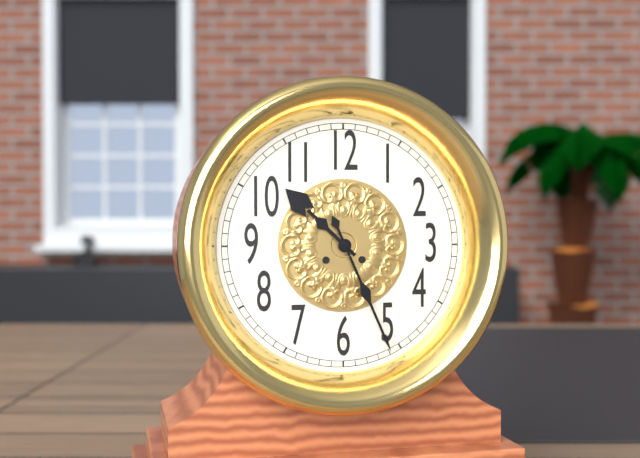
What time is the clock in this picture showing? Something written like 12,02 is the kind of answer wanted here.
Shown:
10,26
